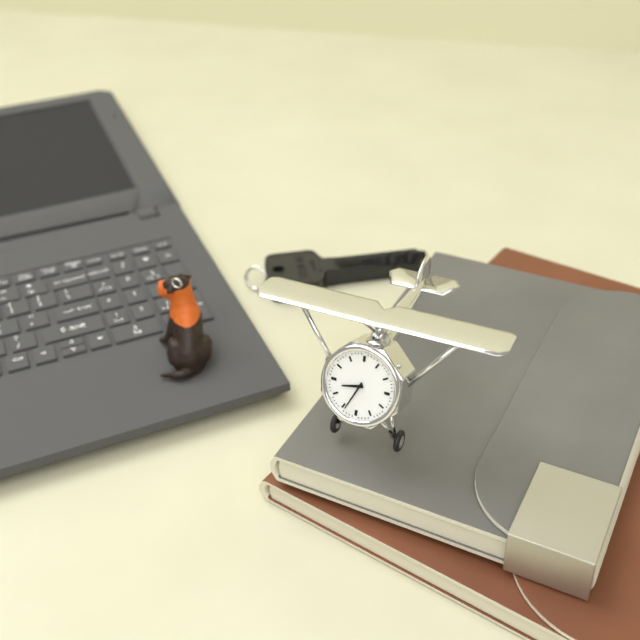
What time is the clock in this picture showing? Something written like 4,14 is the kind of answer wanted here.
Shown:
8,34
